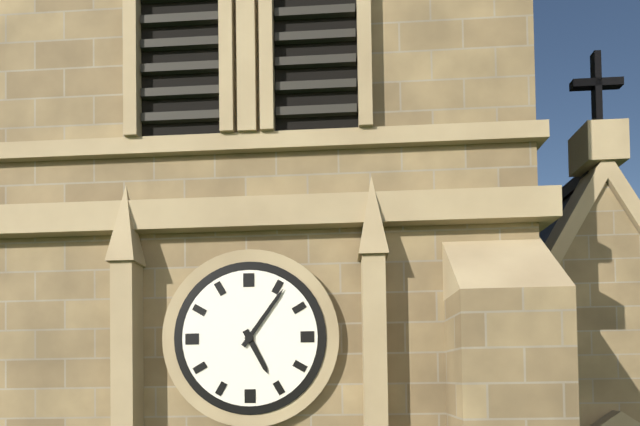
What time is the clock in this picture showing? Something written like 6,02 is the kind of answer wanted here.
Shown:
5,06
